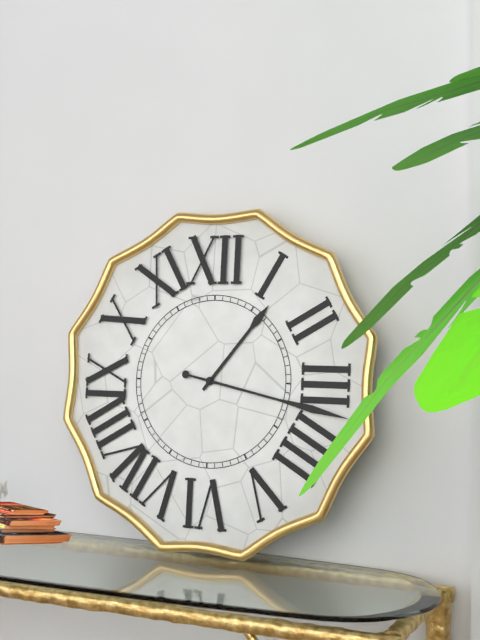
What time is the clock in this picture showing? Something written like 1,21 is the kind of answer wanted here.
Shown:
1,17
